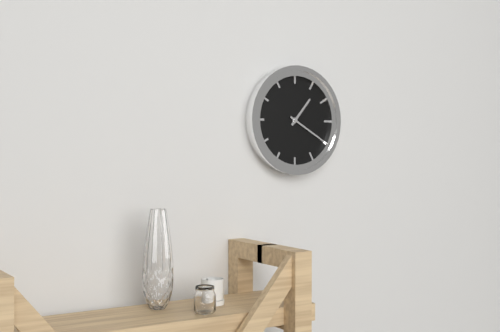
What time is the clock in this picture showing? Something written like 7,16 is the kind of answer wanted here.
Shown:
1,20
